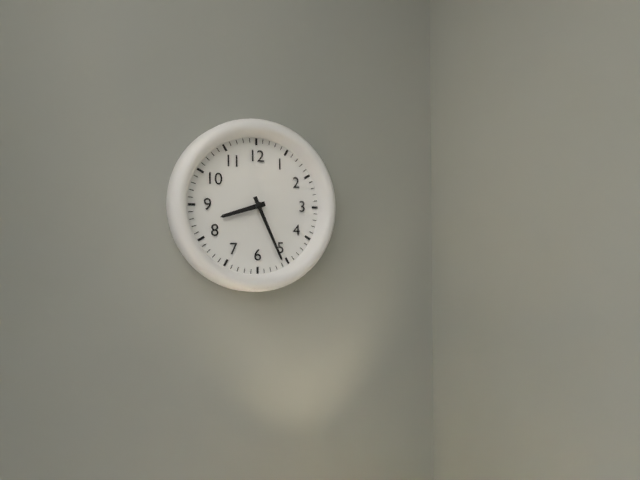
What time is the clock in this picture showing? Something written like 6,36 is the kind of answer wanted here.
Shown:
8,26
